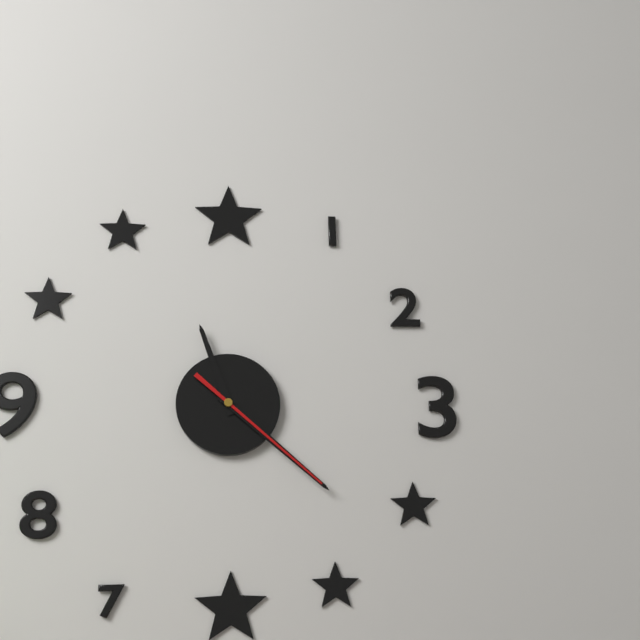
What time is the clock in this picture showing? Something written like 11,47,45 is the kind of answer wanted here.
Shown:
11,22,22
